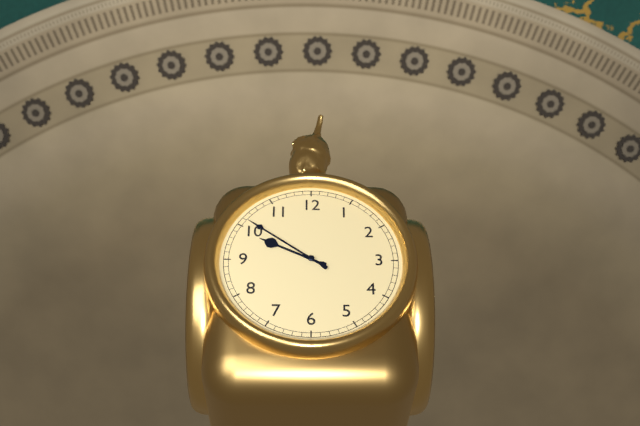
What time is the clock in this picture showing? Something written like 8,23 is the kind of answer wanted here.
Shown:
9,51
